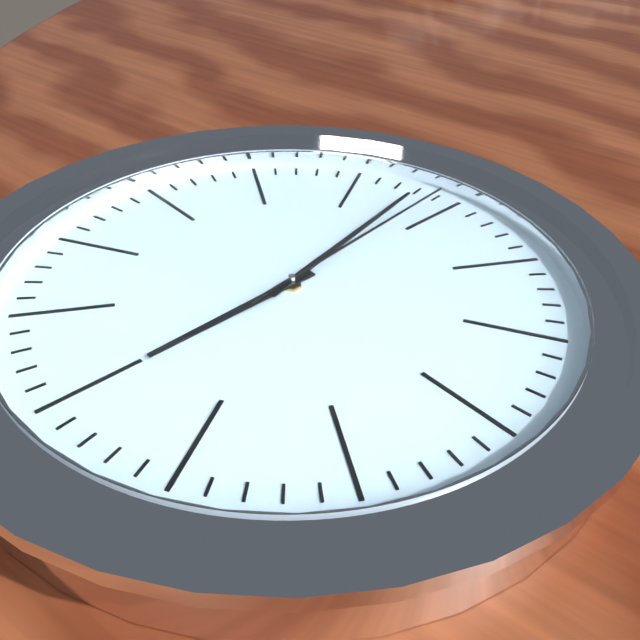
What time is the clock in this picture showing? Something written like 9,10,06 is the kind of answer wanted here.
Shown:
5,58,59
